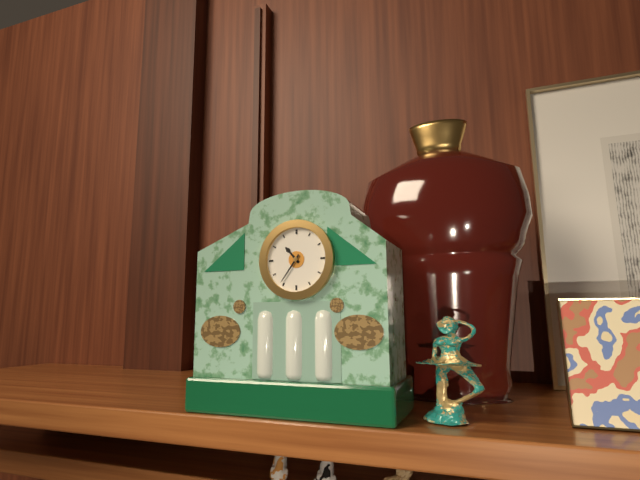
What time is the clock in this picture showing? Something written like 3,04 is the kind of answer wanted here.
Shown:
10,36
